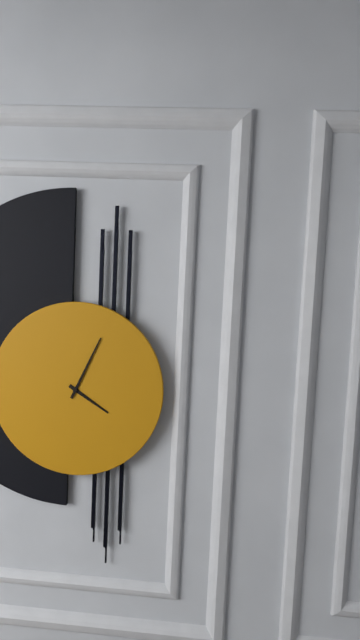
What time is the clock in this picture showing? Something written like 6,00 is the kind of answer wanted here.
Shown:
4,04
